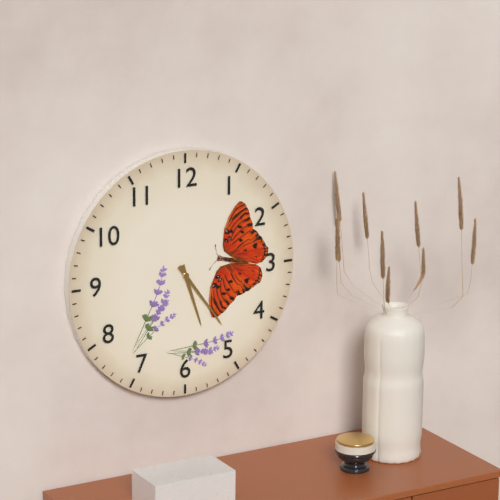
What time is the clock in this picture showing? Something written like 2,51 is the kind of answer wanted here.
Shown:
5,24
